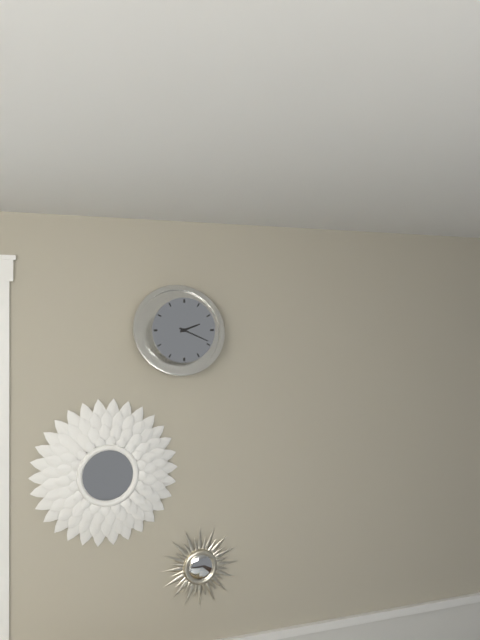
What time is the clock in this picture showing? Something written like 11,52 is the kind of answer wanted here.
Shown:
2,19
